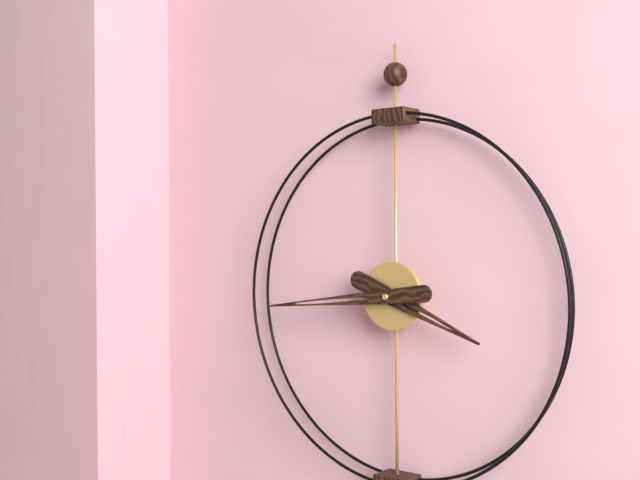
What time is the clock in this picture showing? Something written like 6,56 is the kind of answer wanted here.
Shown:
3,44
